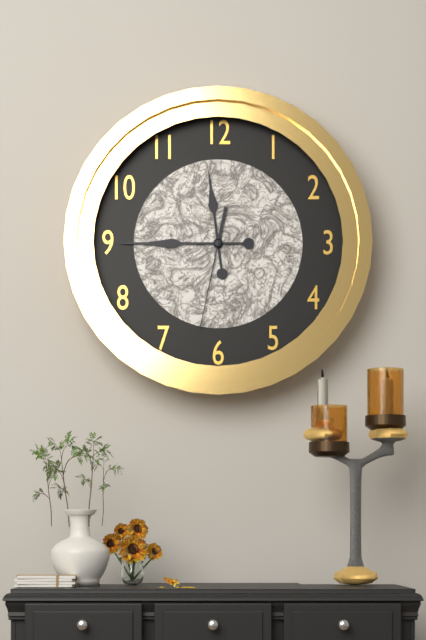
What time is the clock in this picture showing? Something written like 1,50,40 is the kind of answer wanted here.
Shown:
11,45,32
